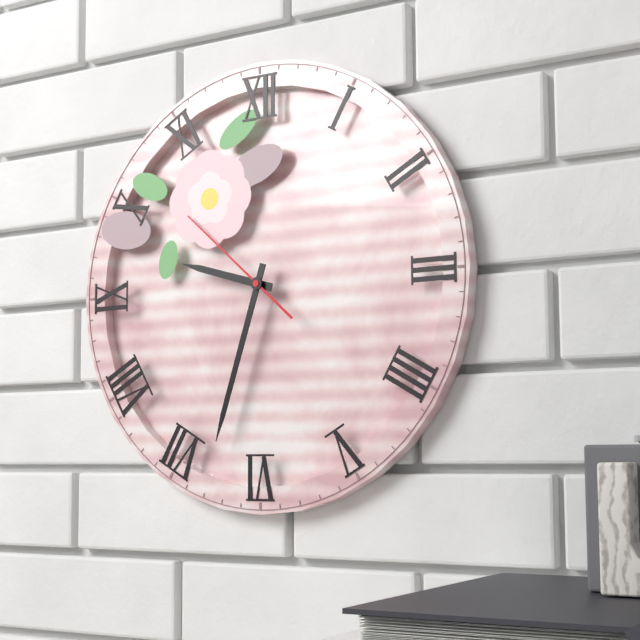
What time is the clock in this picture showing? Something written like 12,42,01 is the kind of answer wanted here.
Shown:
9,33,52
